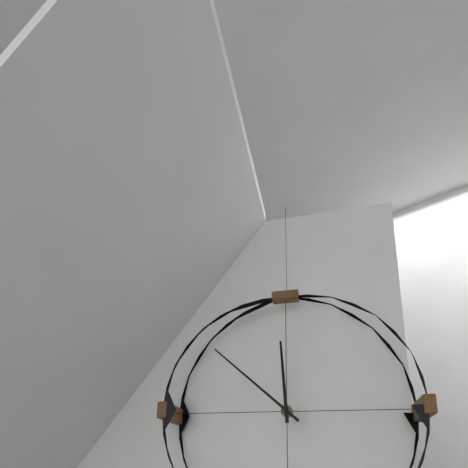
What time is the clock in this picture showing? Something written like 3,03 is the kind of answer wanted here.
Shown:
11,52
